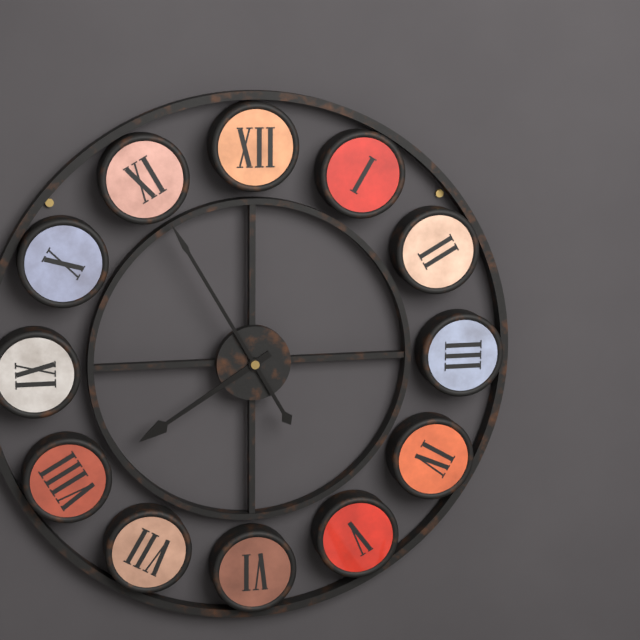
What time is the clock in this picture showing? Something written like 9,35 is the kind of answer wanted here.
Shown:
7,55
